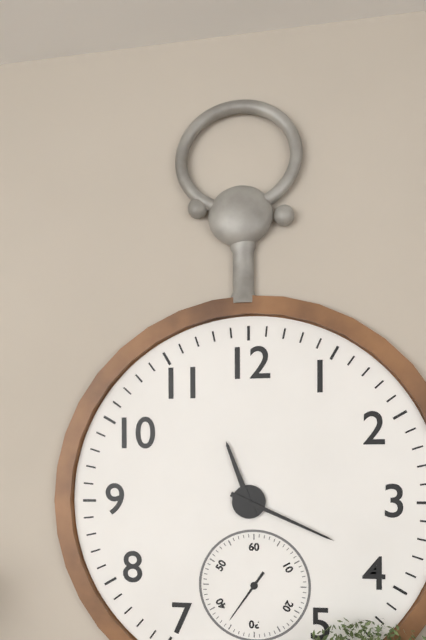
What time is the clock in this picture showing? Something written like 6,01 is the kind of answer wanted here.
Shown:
11,19
